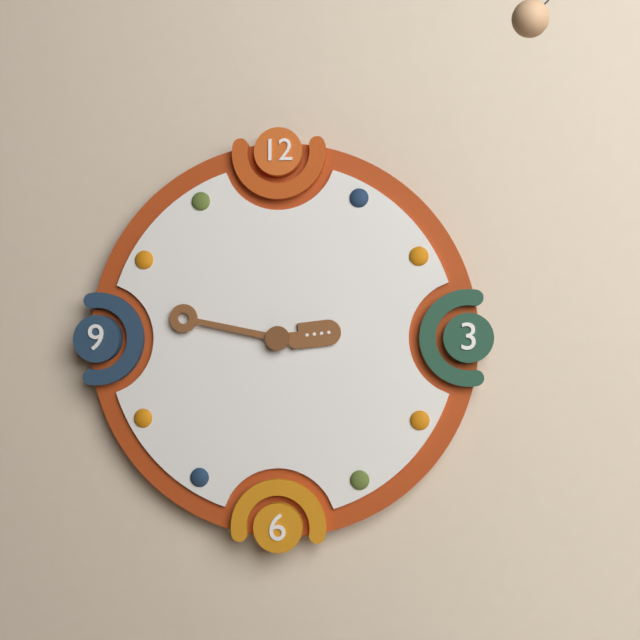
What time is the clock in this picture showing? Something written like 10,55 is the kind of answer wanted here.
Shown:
2,47
